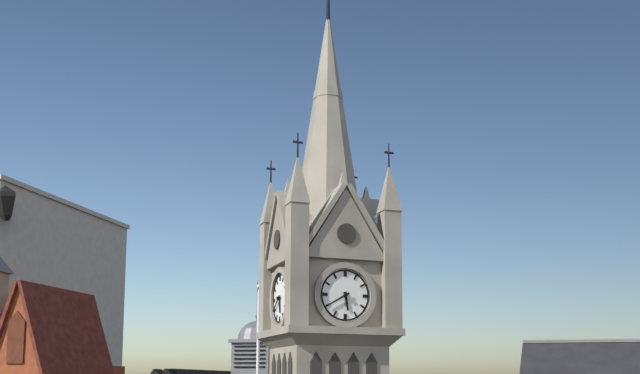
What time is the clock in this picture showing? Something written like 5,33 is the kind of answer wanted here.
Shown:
5,40
